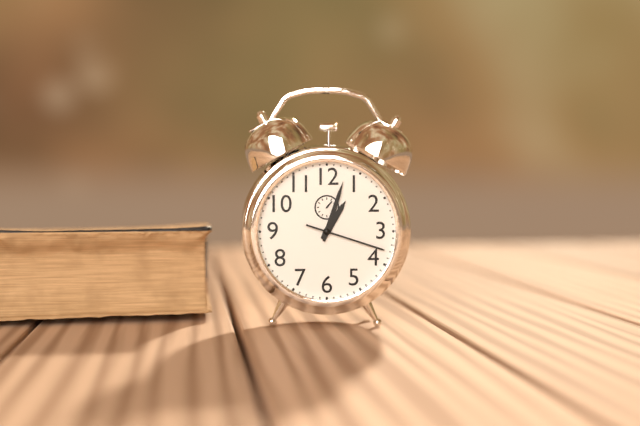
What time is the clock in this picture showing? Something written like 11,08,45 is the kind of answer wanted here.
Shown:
1,03,18
